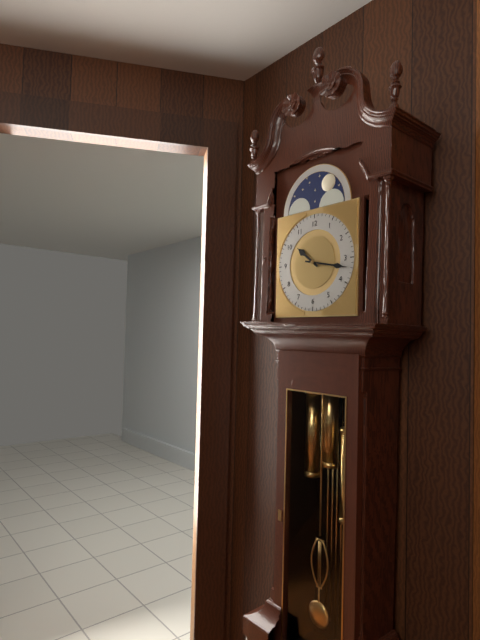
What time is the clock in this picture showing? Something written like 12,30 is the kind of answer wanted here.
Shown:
10,17
